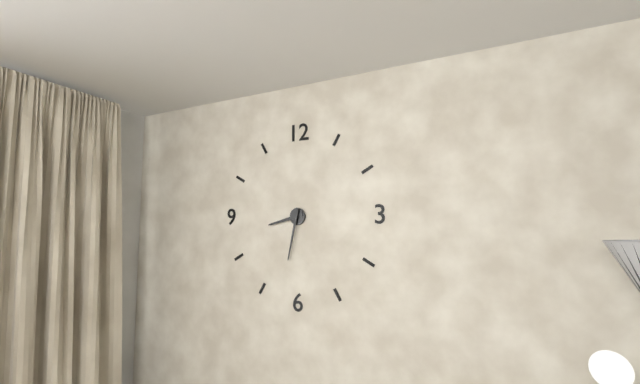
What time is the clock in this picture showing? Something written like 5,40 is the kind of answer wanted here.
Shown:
8,32
